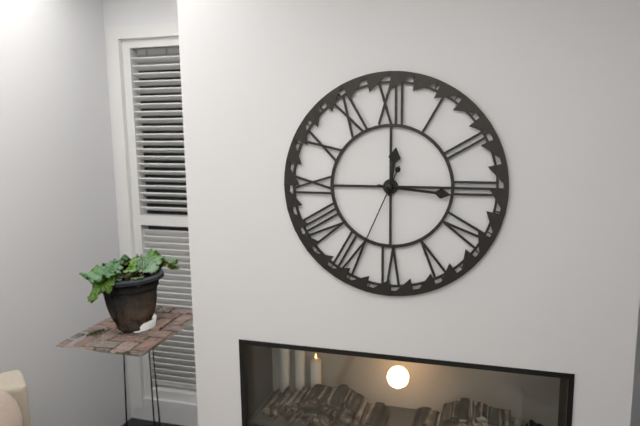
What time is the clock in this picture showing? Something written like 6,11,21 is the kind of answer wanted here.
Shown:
12,16,34
